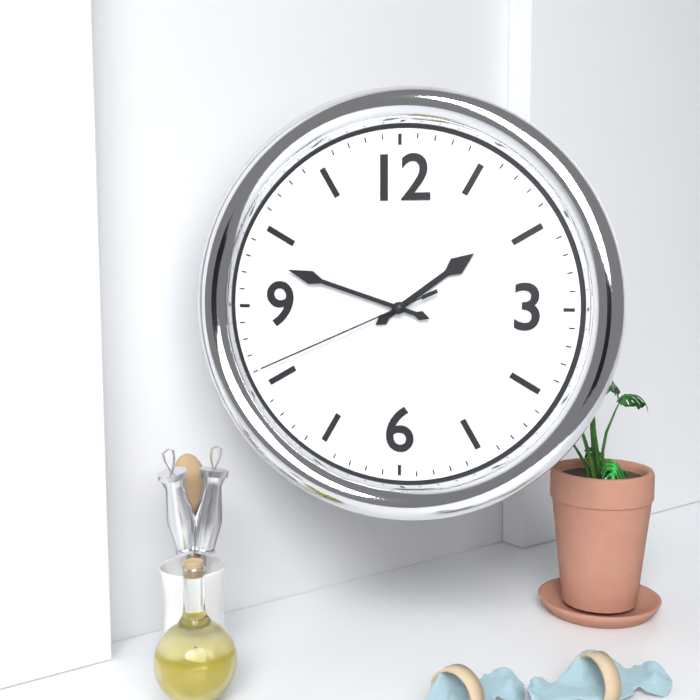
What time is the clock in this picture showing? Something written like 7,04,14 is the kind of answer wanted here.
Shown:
1,48,41
